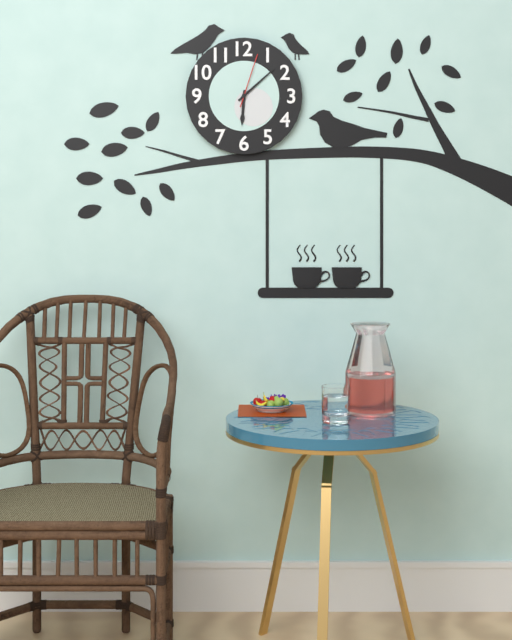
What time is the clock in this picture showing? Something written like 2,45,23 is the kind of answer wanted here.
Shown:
6,08,03
